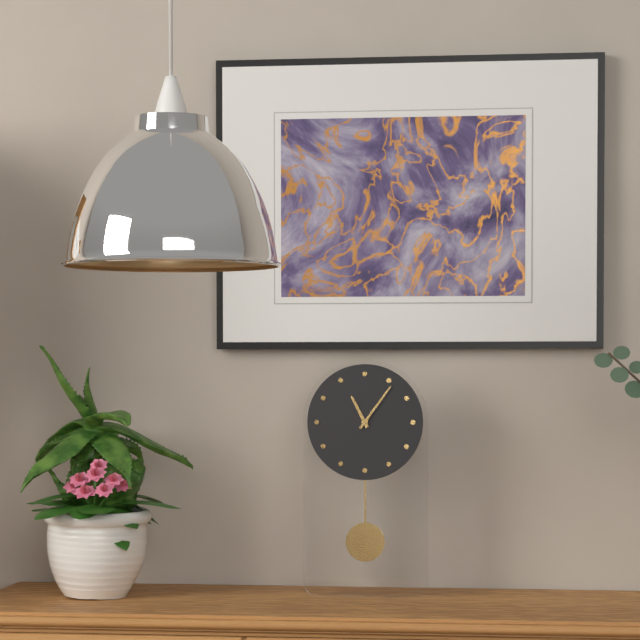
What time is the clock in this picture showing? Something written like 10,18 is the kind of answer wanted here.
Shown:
11,06
